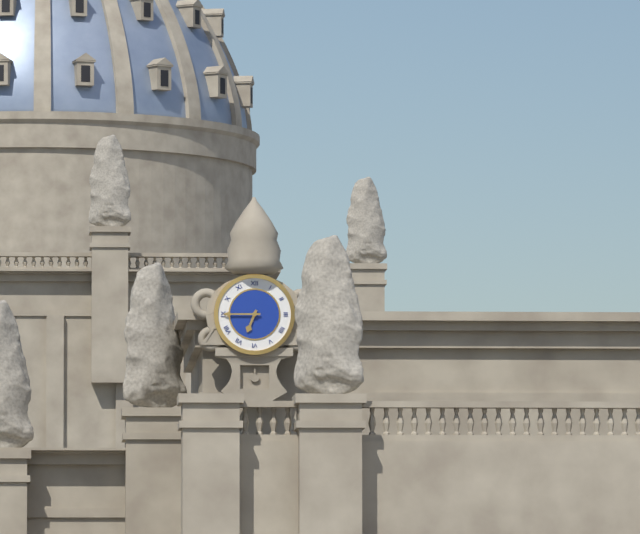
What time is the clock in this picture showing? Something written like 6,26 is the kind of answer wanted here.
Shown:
6,45
